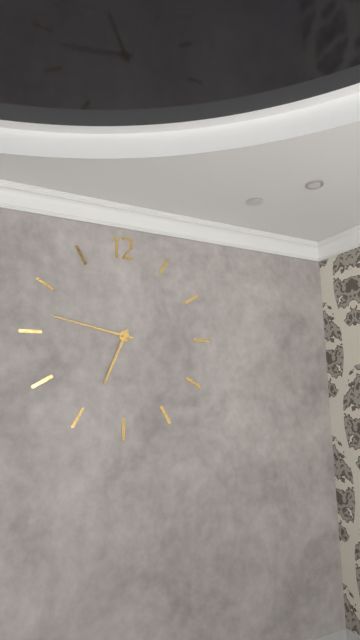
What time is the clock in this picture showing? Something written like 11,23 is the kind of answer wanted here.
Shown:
6,47
